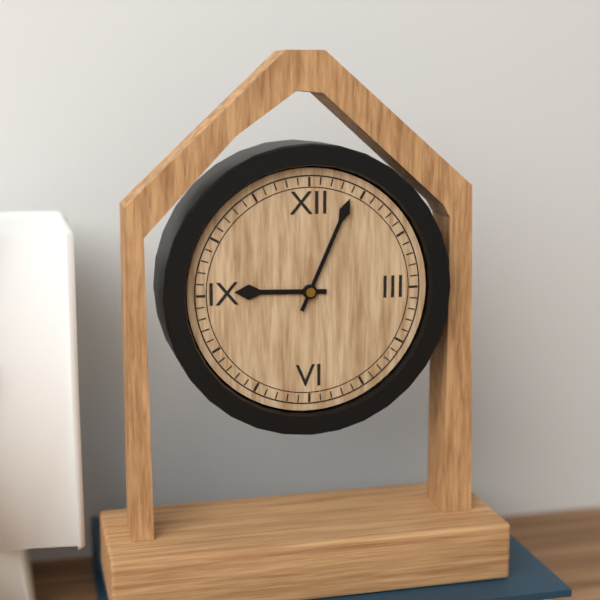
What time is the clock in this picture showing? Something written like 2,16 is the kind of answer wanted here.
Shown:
9,04
